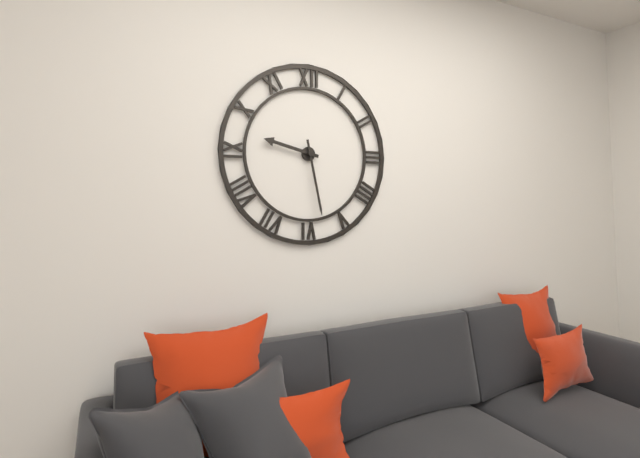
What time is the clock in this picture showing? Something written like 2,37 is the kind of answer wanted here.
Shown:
9,28
